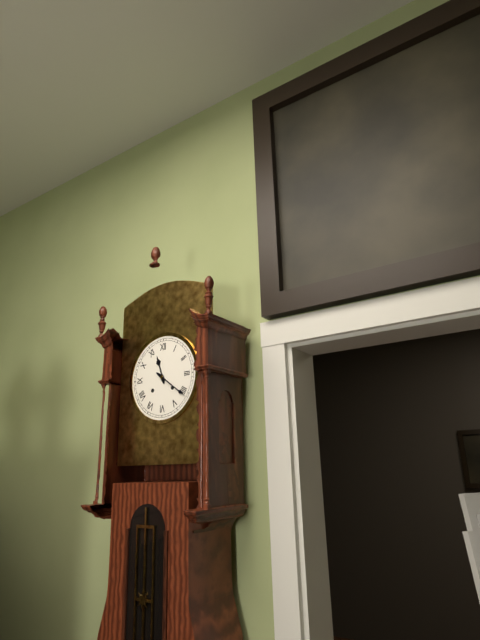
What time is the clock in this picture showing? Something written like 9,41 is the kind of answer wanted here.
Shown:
11,21
